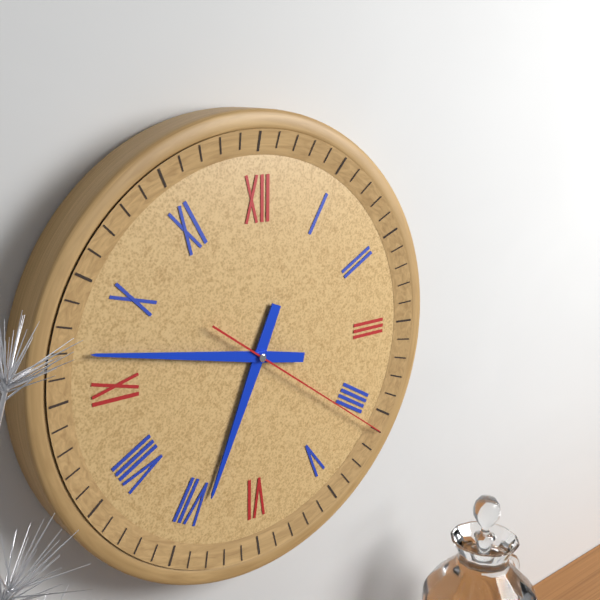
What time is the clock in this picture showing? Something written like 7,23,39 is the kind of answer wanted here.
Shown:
6,47,21
